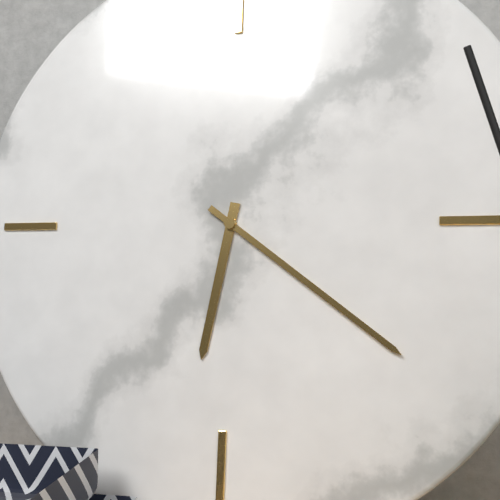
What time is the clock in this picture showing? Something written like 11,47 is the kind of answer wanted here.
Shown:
6,21
